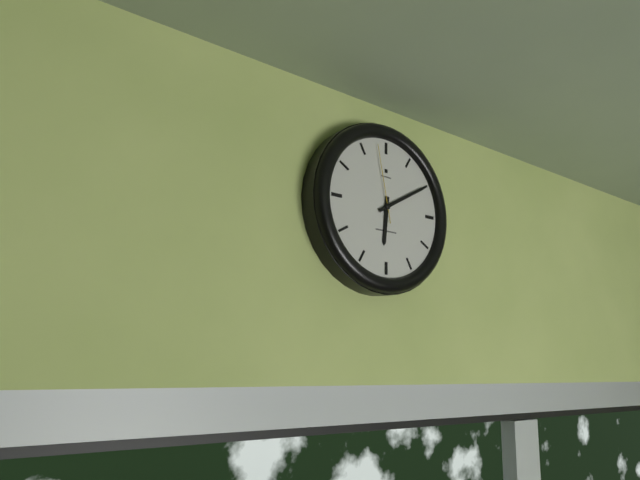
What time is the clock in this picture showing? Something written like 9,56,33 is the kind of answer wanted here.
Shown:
6,10,58
